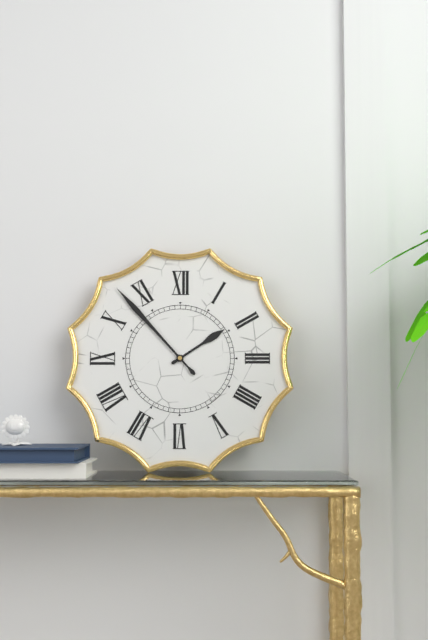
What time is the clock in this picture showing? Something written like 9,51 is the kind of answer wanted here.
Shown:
1,53
